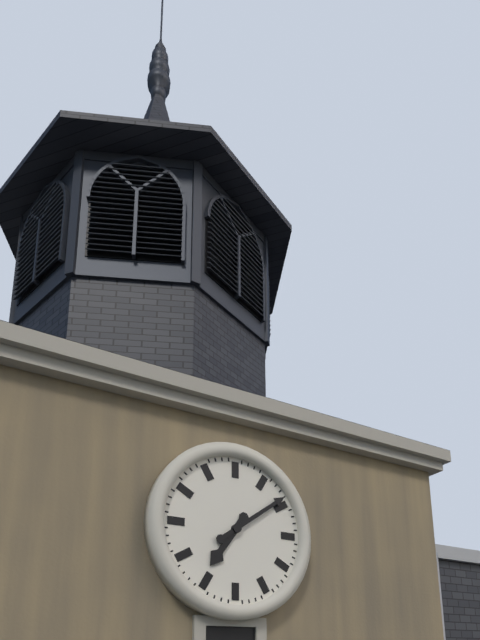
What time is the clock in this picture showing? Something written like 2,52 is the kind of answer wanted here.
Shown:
7,09
